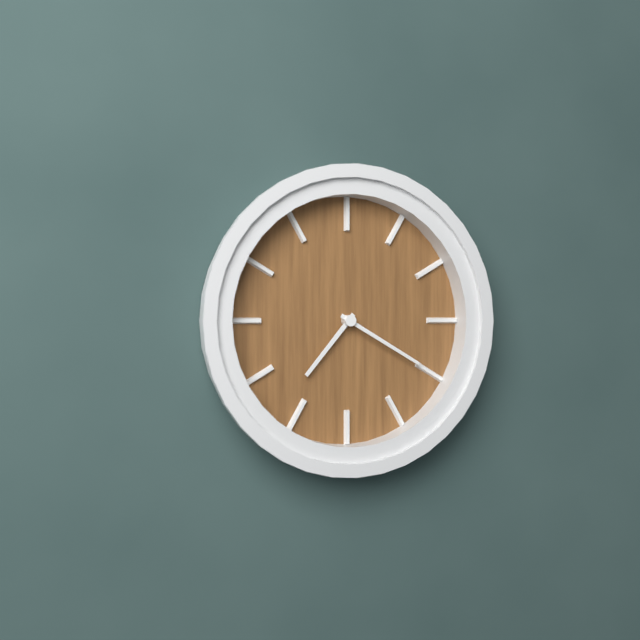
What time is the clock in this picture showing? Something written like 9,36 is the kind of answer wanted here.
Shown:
7,20
